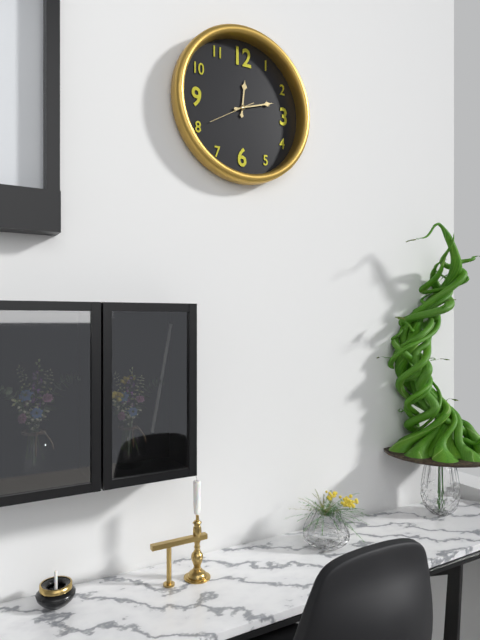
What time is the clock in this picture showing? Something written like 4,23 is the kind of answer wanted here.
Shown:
12,12
